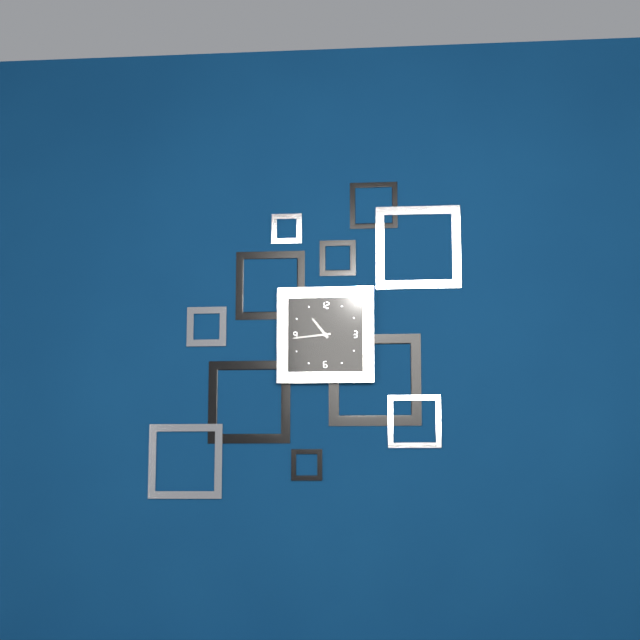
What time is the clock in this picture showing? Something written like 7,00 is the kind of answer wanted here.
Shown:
10,44
